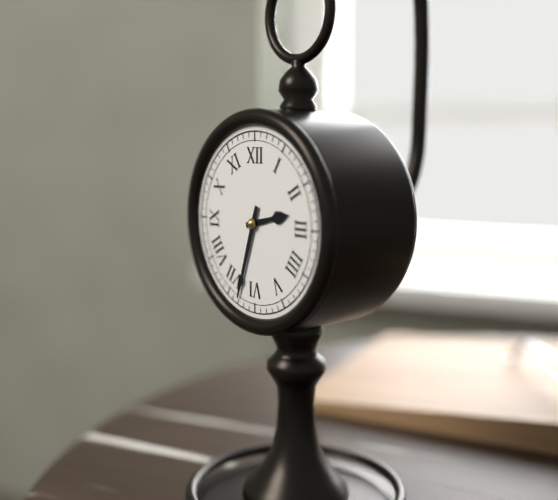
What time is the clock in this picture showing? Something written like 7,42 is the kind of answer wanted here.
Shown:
2,33
